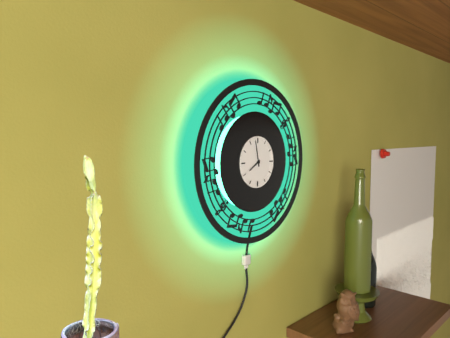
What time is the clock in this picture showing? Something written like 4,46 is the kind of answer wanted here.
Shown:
7,58
